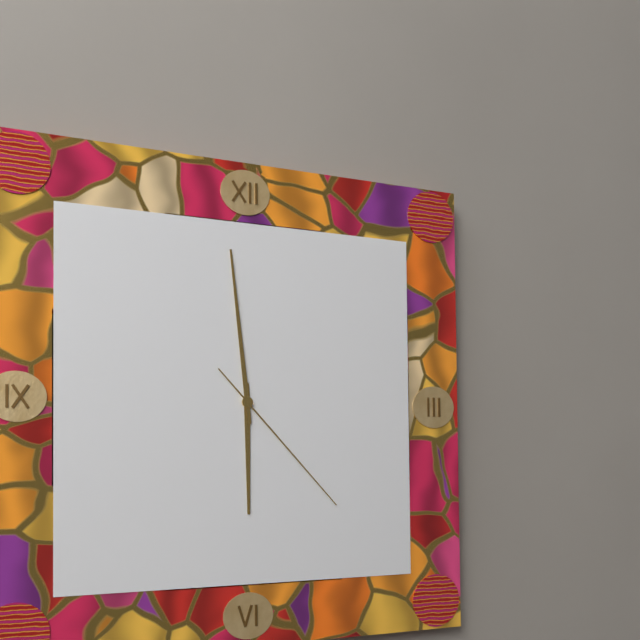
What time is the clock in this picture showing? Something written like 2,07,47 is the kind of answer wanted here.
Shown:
5,59,23
